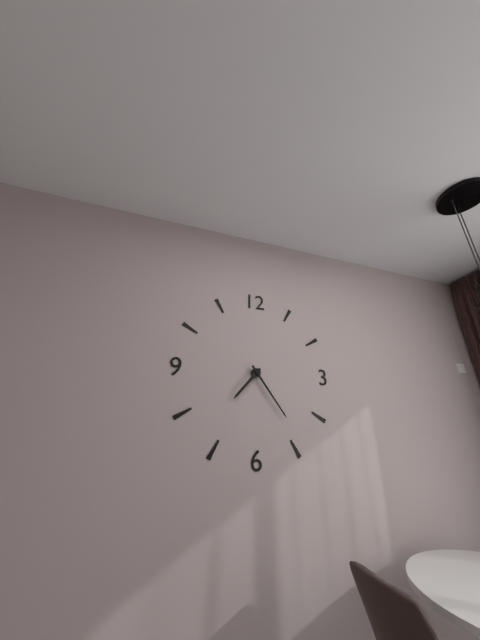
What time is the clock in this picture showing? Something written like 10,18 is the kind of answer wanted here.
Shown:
7,24
